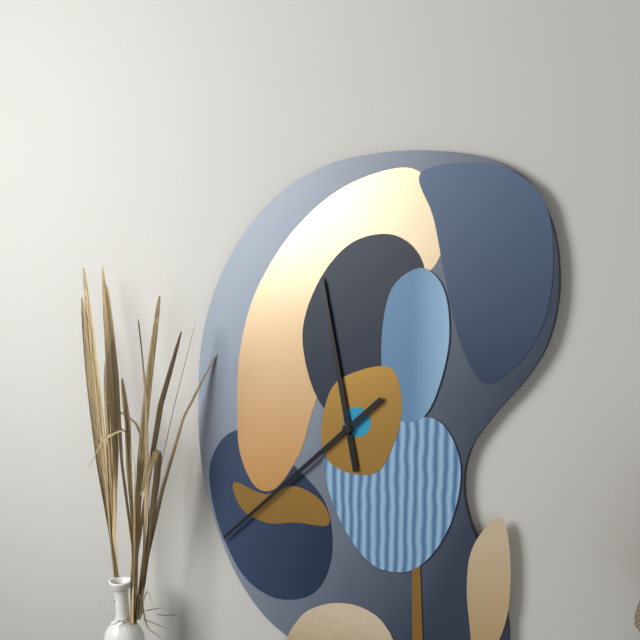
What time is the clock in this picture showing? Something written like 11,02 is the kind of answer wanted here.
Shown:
11,38
